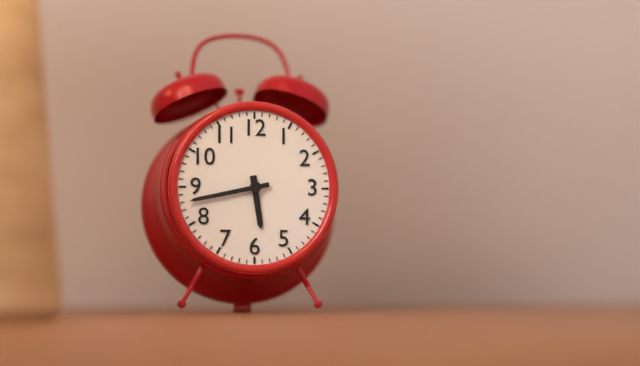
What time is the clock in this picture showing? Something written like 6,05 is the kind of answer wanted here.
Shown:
5,43
